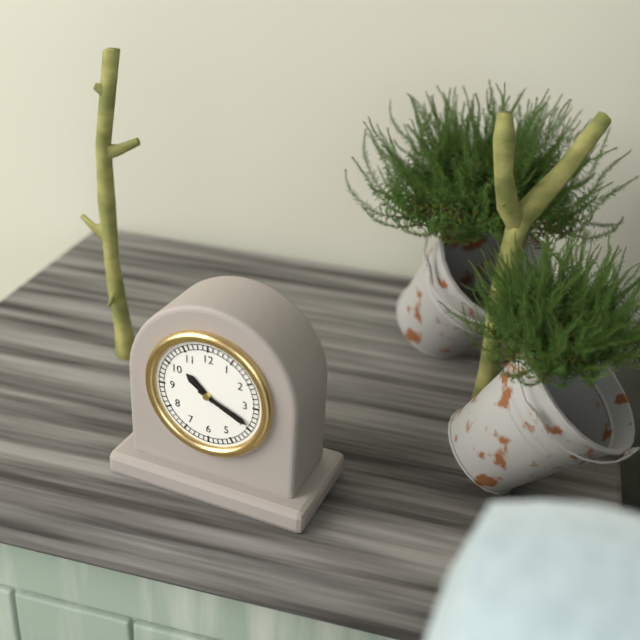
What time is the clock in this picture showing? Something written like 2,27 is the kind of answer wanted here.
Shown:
10,19
